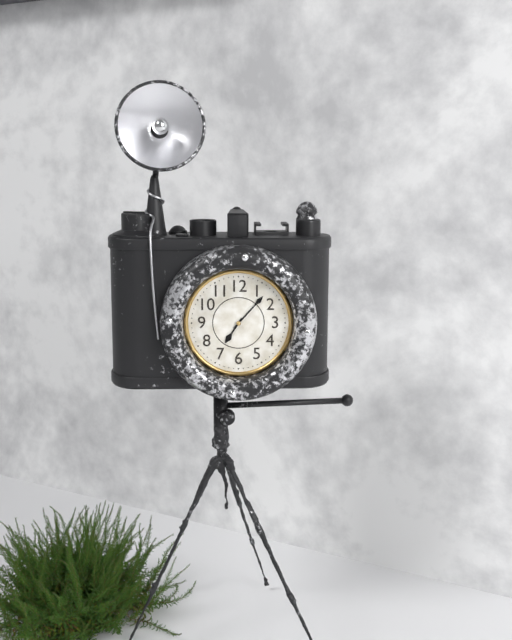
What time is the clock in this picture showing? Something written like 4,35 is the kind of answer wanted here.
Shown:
7,07
